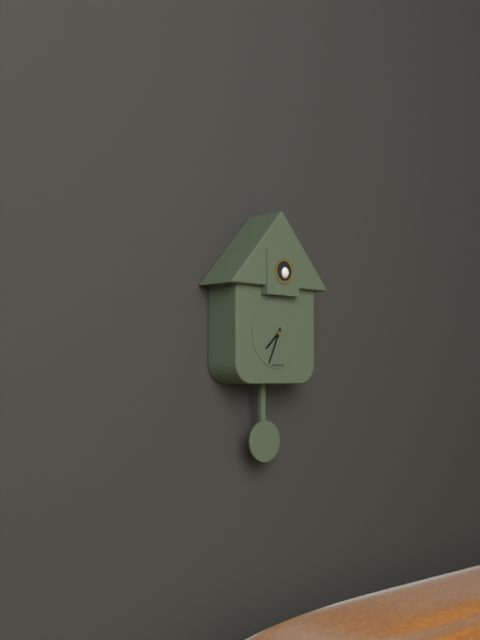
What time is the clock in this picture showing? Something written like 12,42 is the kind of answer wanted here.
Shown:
7,34
